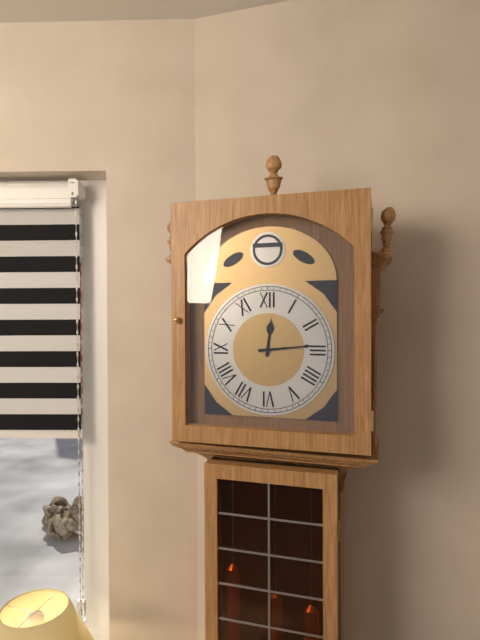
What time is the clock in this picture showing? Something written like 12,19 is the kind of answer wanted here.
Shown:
12,14
